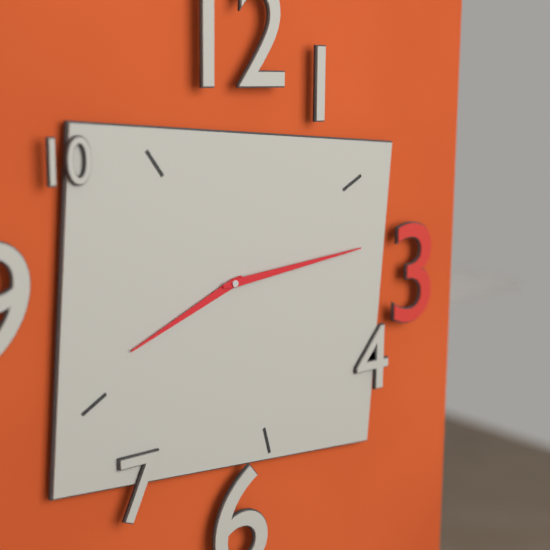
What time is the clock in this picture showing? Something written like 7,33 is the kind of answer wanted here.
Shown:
8,14
